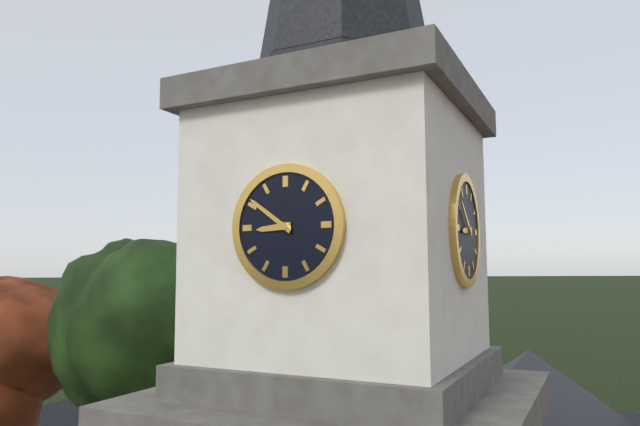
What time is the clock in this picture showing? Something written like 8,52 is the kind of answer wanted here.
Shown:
8,51
